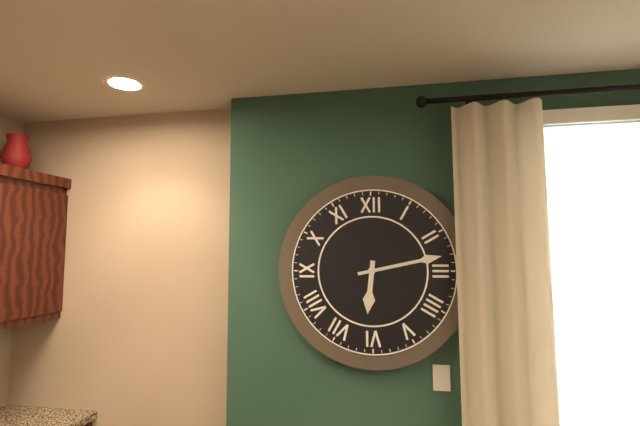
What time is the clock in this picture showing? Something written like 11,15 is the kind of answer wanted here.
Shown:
6,13
